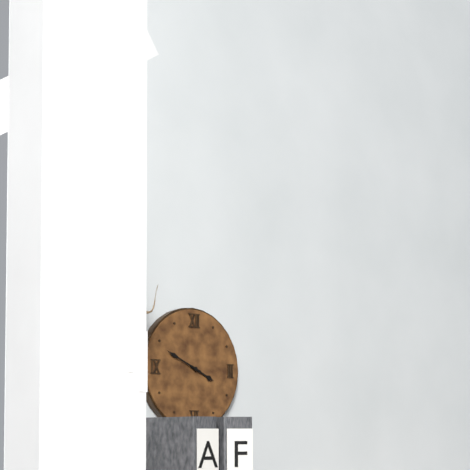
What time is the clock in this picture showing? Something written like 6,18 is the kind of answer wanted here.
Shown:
3,49
